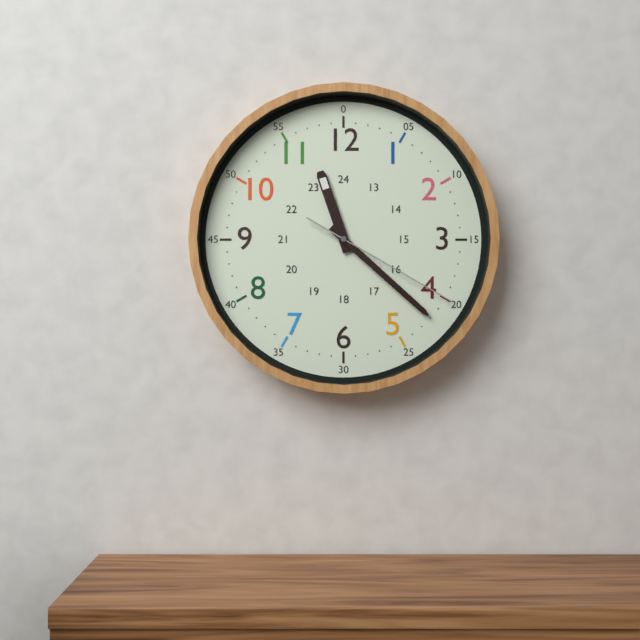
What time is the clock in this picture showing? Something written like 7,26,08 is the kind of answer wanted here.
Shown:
11,22,20
